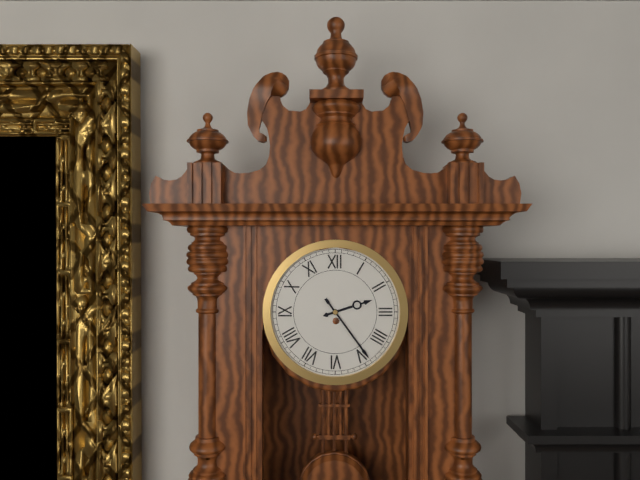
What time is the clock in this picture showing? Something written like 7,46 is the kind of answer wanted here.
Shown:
2,24
